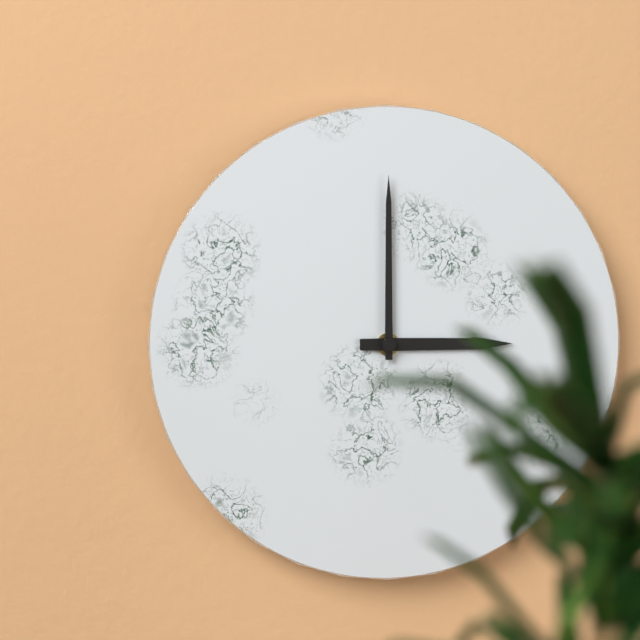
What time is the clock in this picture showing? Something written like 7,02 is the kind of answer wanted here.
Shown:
3,00
